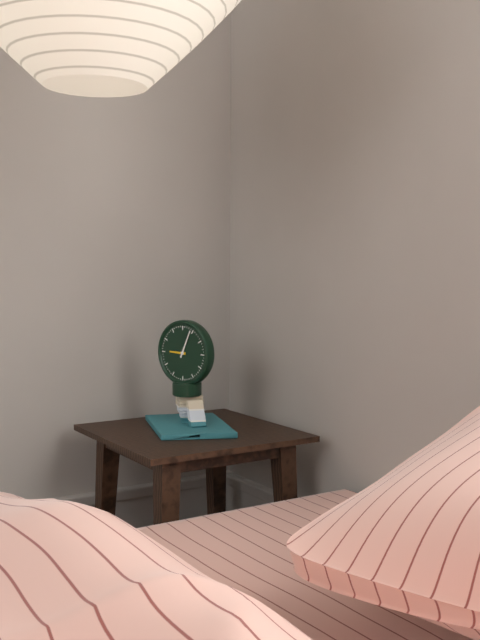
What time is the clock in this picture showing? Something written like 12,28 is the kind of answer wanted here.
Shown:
9,04
